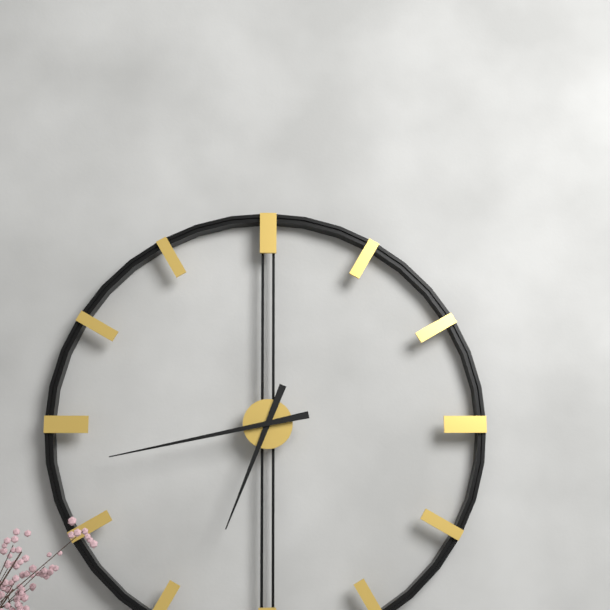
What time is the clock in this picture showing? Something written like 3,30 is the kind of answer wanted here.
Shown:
6,43
